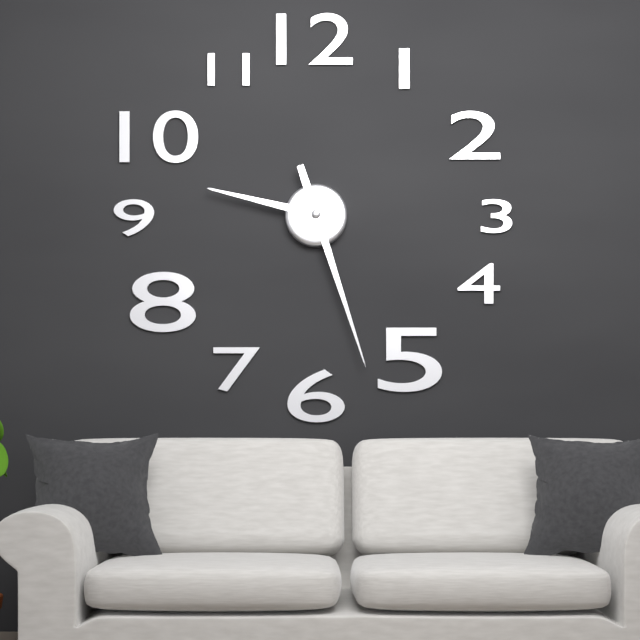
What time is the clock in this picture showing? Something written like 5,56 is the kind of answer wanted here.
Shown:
9,27
